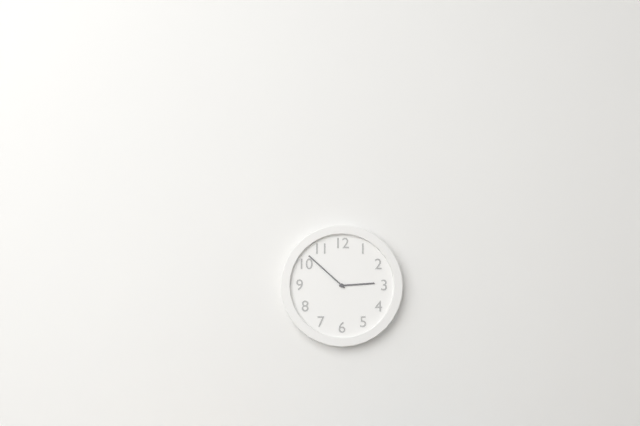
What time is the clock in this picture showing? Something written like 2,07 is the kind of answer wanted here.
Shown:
2,52
